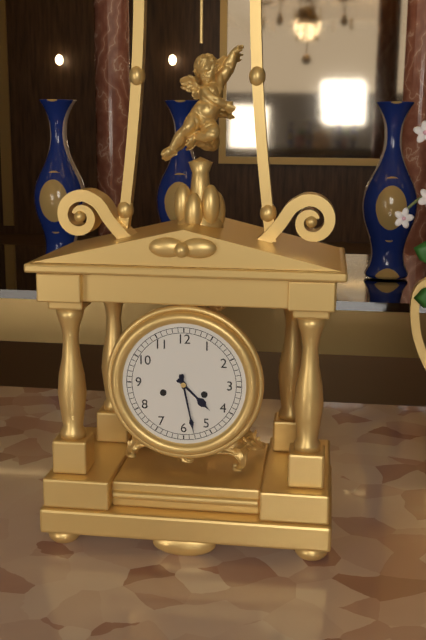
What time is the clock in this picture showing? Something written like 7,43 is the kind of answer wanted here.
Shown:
4,28
